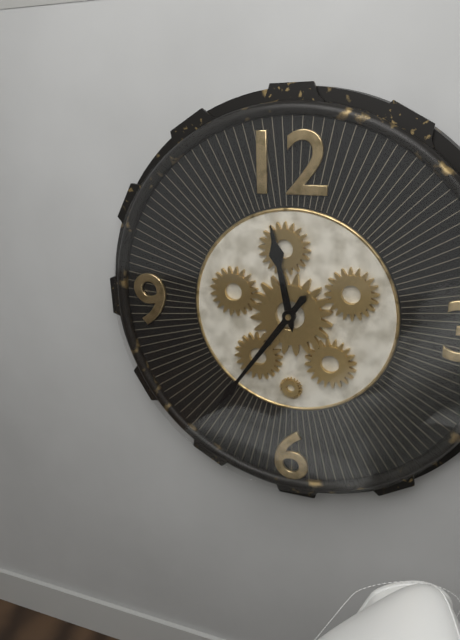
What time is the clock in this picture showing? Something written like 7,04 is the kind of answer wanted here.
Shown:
11,36
